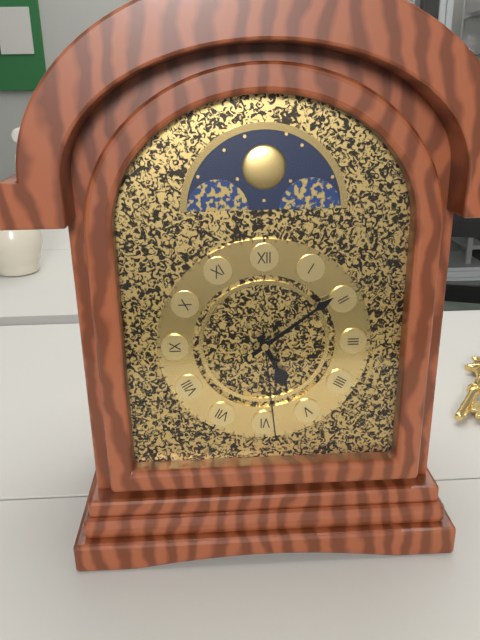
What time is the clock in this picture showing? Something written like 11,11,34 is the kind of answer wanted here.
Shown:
5,09,29
